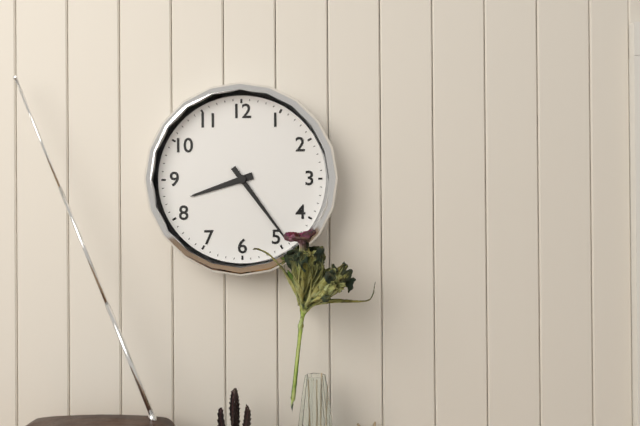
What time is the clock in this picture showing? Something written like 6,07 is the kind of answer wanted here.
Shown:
8,24
